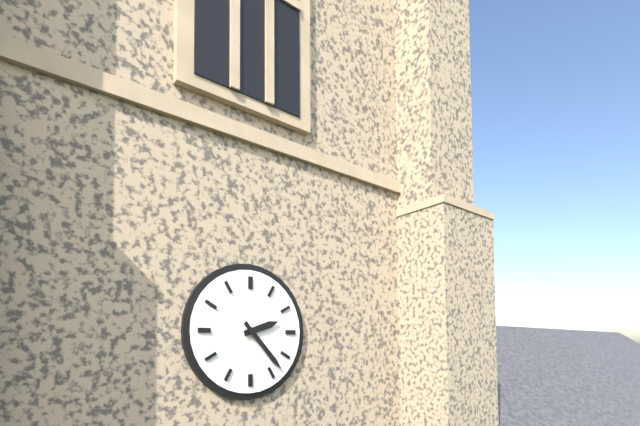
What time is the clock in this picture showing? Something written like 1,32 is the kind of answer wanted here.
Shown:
2,23
